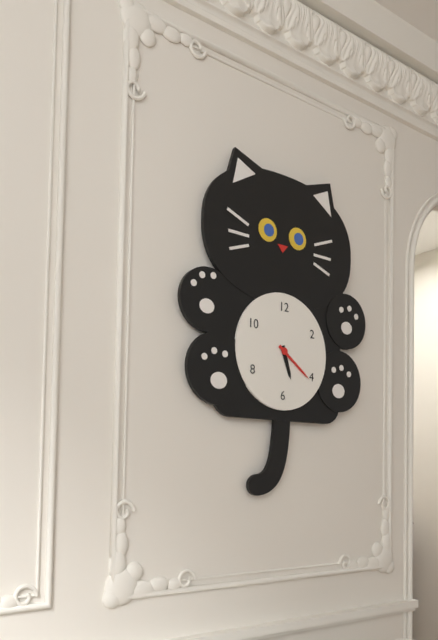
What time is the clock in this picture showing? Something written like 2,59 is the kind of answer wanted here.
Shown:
5,21
